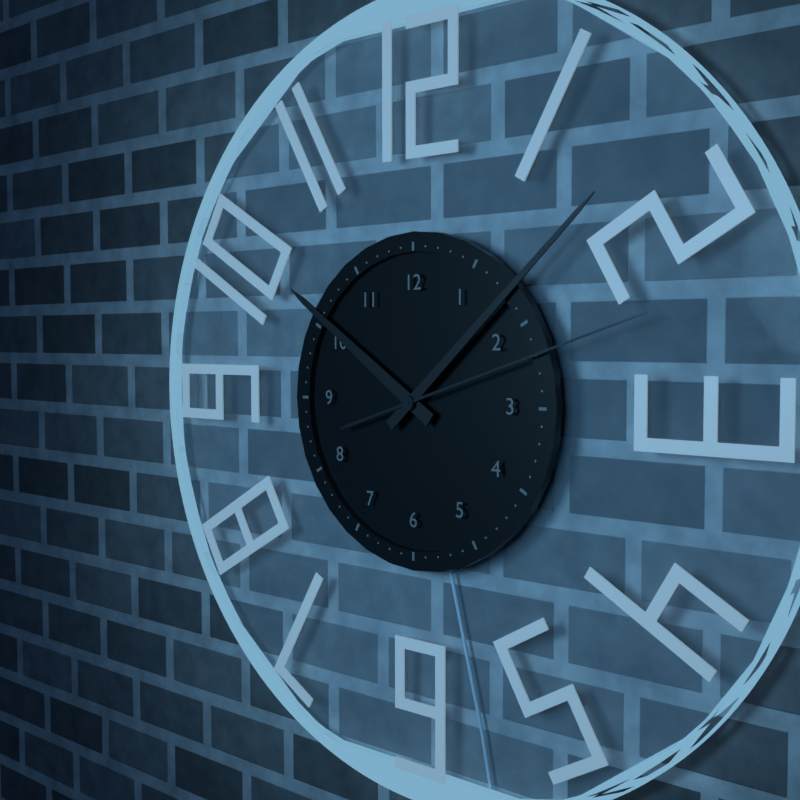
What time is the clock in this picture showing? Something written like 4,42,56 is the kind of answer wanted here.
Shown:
10,08,12
